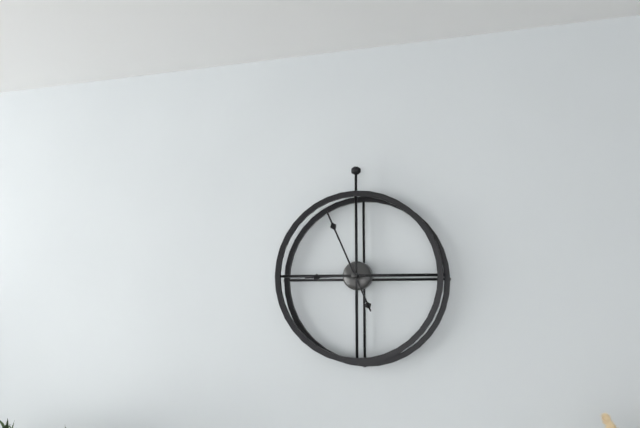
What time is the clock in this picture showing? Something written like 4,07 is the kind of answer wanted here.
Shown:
8,56
